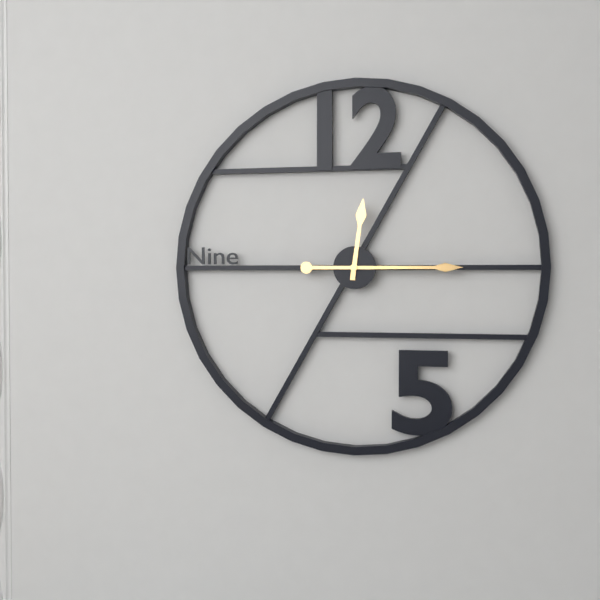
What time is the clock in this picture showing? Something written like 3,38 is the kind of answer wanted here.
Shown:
12,15
